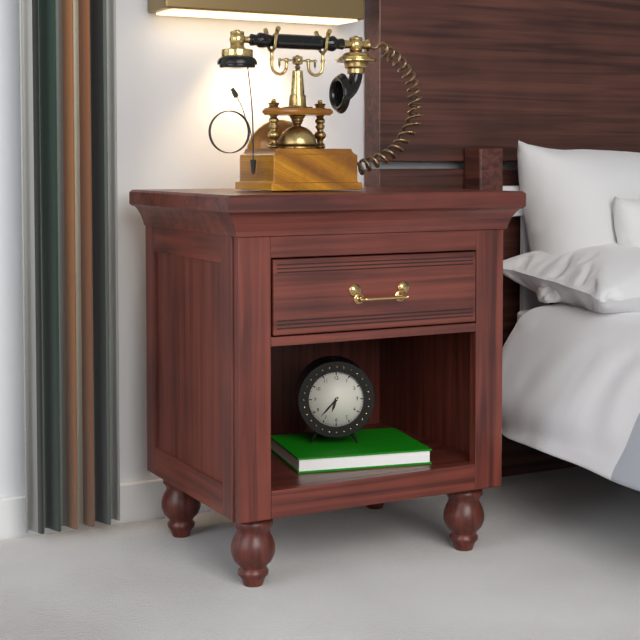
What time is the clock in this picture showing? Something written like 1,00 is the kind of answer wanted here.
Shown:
6,37
